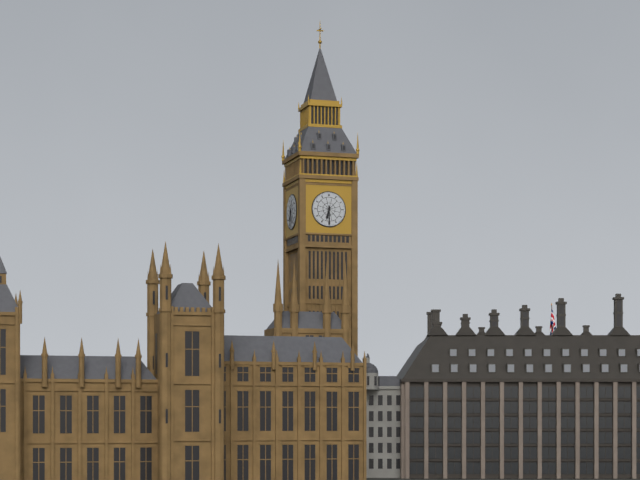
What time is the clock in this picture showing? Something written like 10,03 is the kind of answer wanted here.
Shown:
6,30
